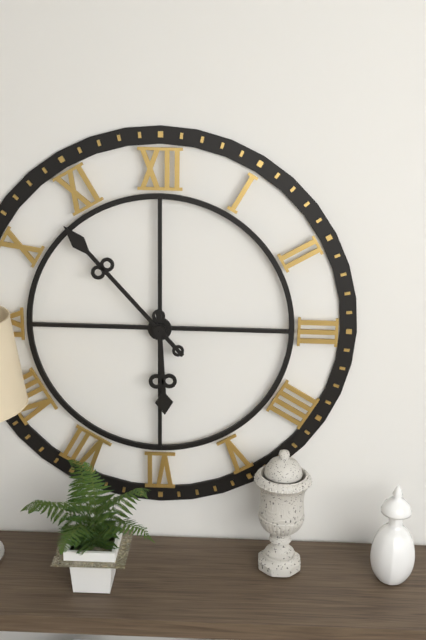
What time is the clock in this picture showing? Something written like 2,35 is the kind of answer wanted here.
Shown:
5,53
